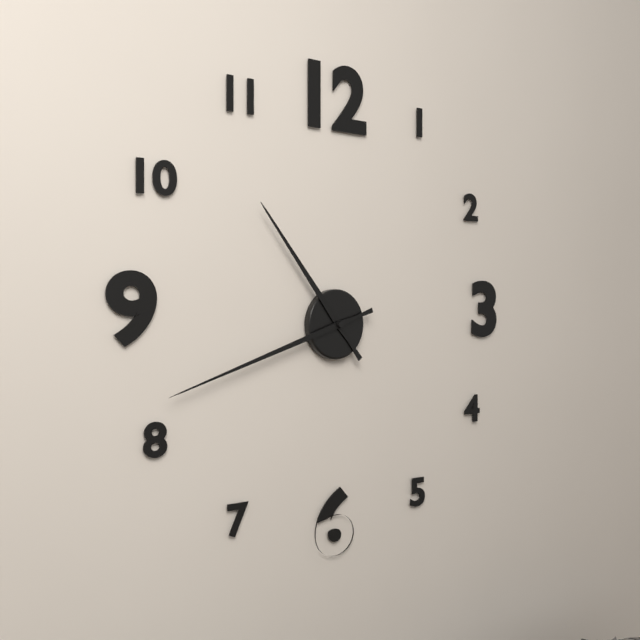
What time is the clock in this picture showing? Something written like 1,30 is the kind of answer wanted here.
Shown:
10,42
